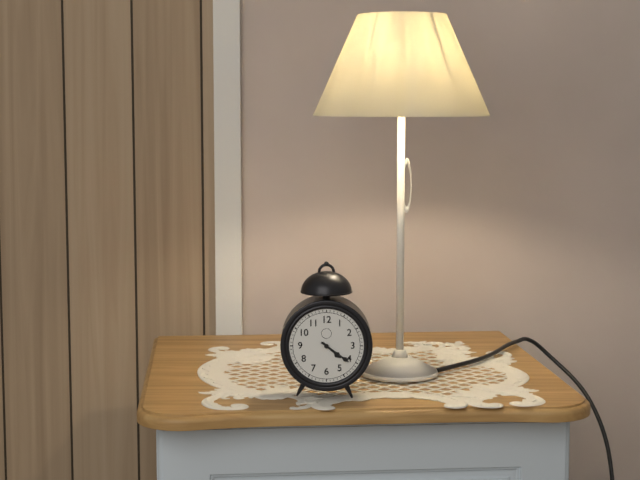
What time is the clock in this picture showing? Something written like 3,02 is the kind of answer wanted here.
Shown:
4,21
